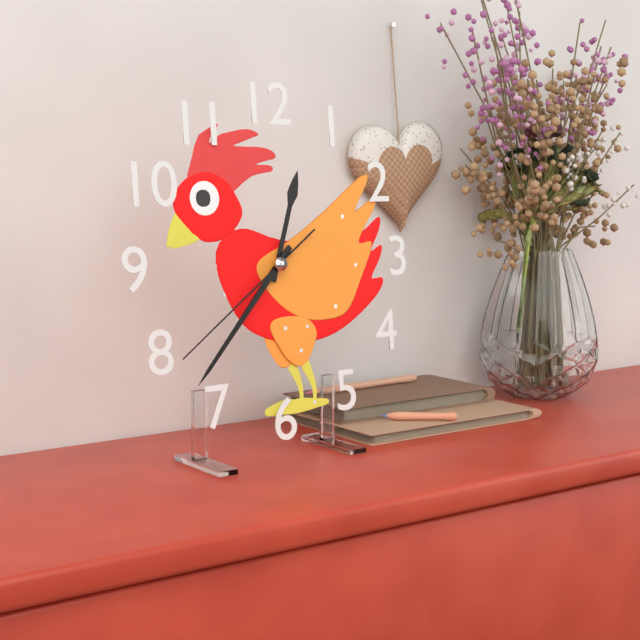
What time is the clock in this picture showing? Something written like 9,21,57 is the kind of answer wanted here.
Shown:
12,37,39
